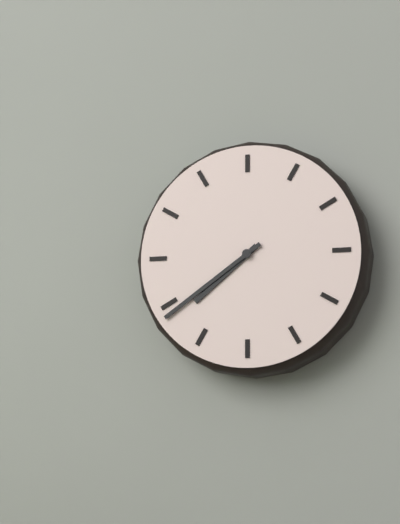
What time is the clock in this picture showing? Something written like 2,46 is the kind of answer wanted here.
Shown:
7,39
